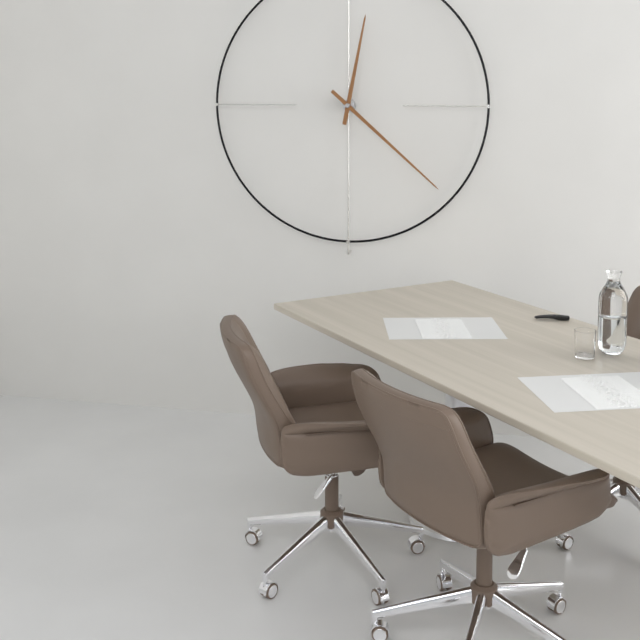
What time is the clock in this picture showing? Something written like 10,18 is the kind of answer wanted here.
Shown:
12,22
